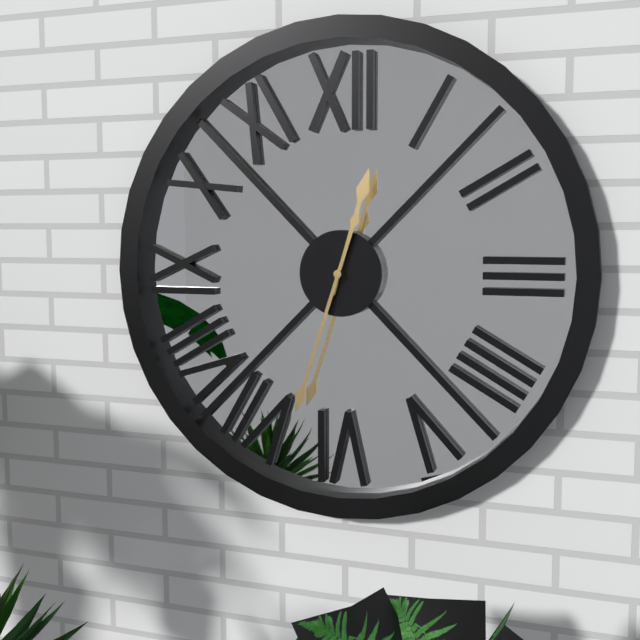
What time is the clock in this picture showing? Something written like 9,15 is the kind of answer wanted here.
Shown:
12,33
